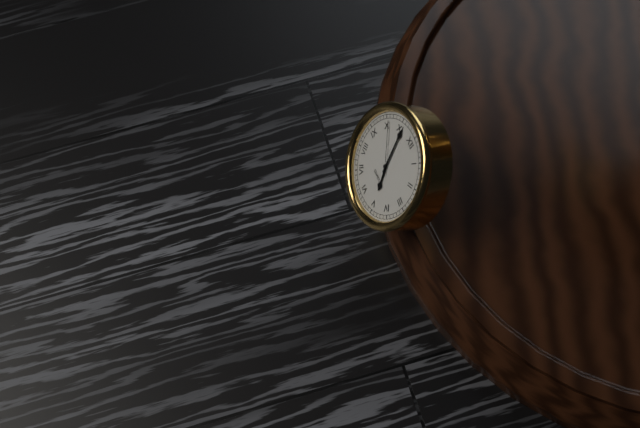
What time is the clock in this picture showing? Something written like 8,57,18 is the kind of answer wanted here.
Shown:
4,56,51
